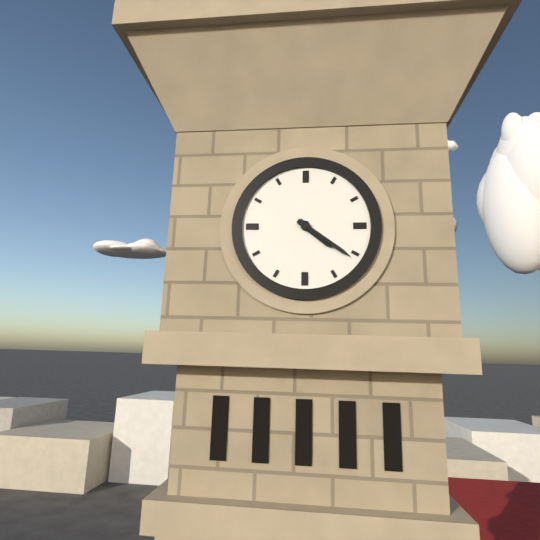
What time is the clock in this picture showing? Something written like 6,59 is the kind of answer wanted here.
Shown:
4,21
